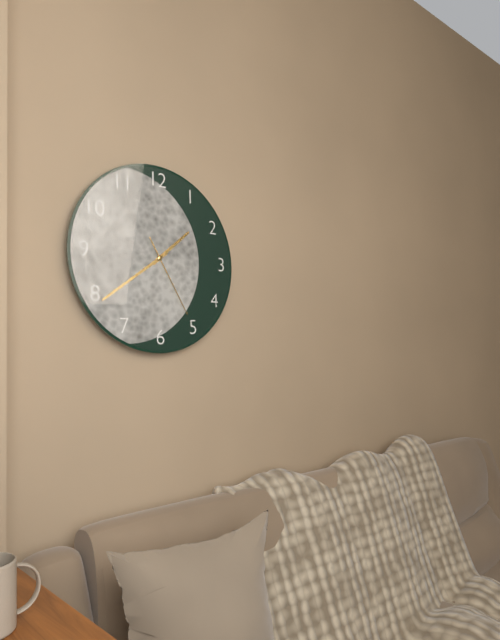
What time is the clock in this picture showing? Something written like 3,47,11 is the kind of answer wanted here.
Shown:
1,39,25
